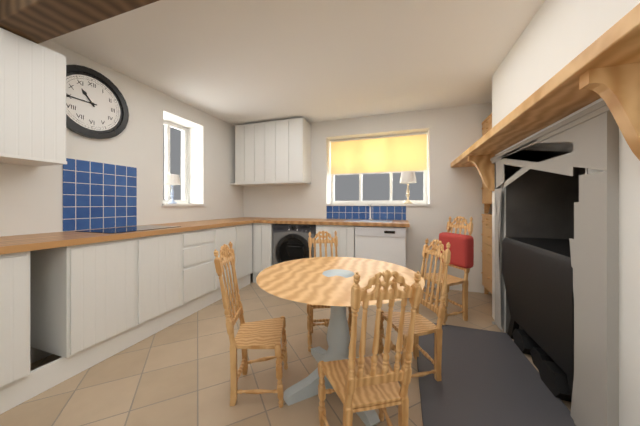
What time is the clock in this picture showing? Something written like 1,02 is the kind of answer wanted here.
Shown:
10,45
